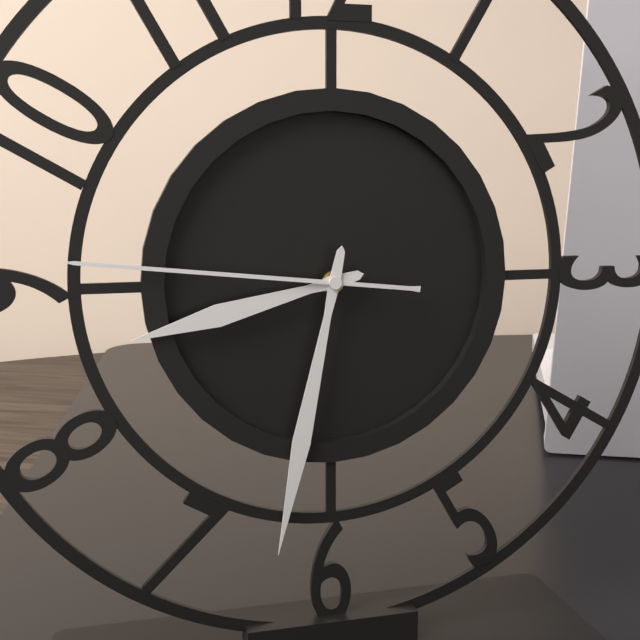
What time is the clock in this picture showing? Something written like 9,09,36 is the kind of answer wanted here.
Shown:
8,32,46
